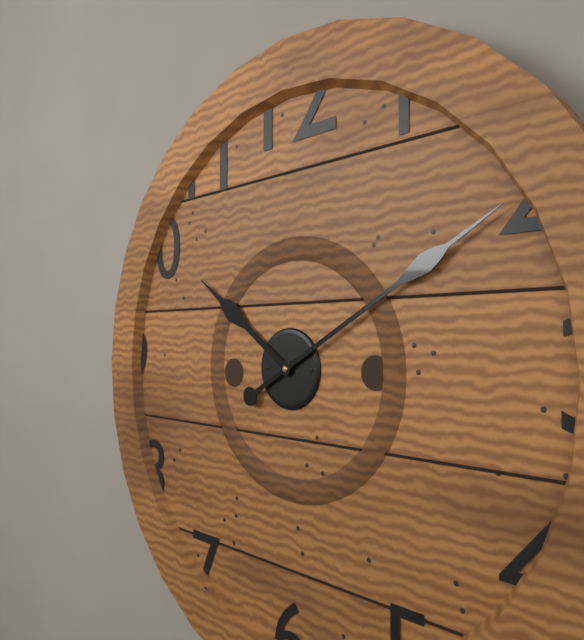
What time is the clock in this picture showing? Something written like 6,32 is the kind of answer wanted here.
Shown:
10,10
